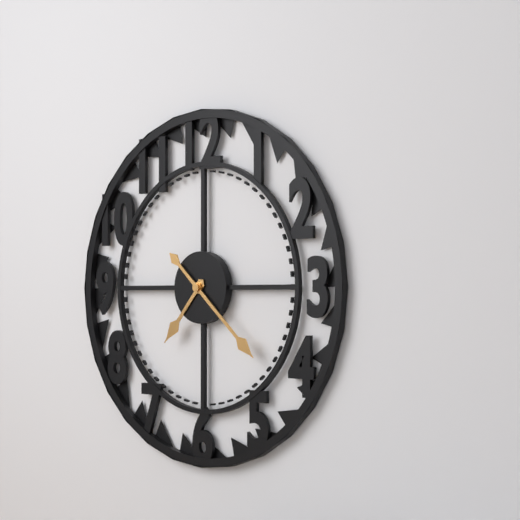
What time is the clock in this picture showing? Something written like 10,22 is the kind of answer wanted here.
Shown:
7,22
